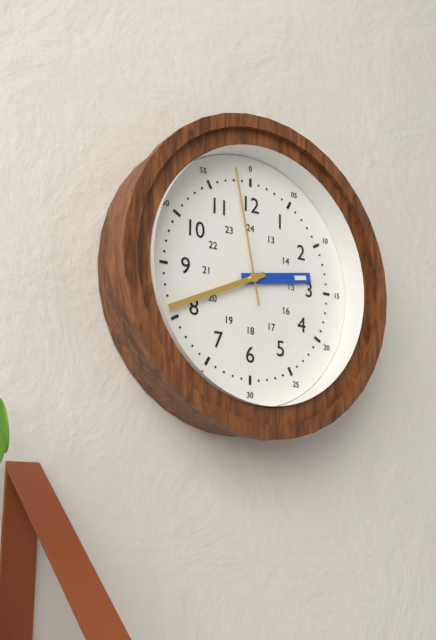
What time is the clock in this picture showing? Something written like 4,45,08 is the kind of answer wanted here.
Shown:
2,41,58
